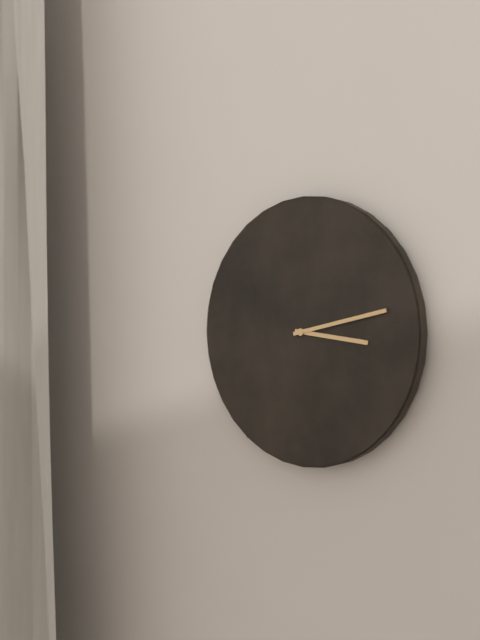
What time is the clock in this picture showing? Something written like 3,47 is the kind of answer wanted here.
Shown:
3,13
